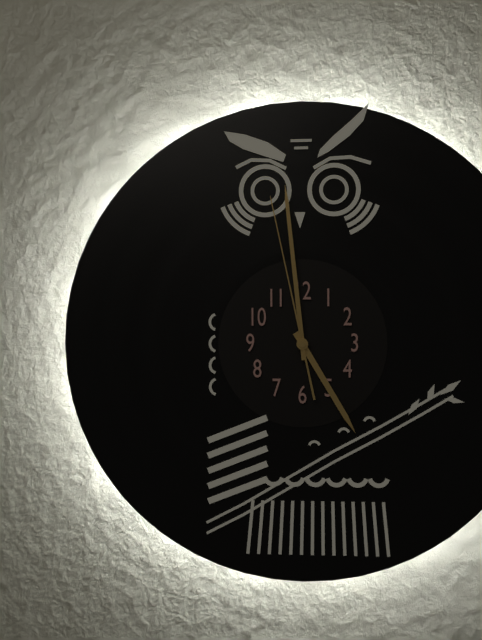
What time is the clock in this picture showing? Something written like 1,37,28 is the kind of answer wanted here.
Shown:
4,59,58
